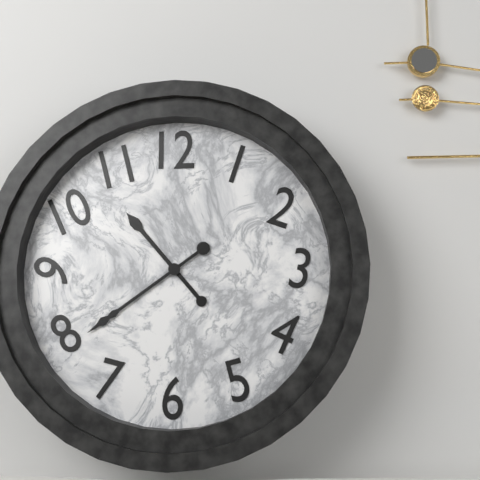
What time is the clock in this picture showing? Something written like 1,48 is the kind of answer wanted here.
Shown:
10,39
